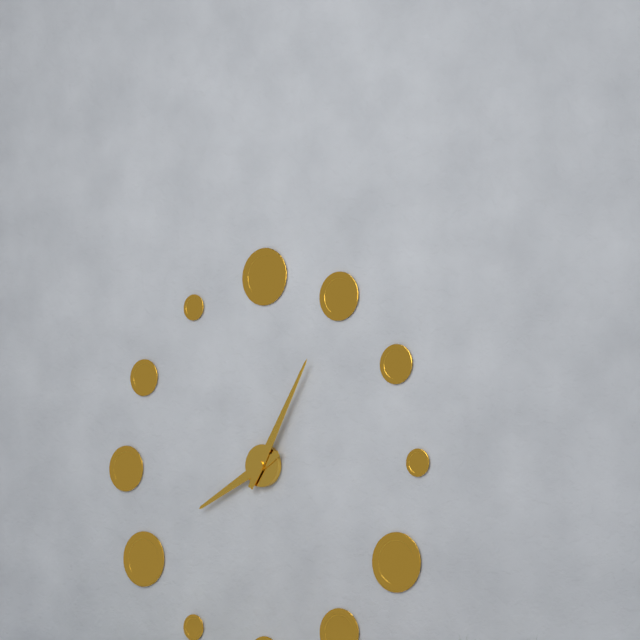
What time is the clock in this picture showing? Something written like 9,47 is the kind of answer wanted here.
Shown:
8,05
